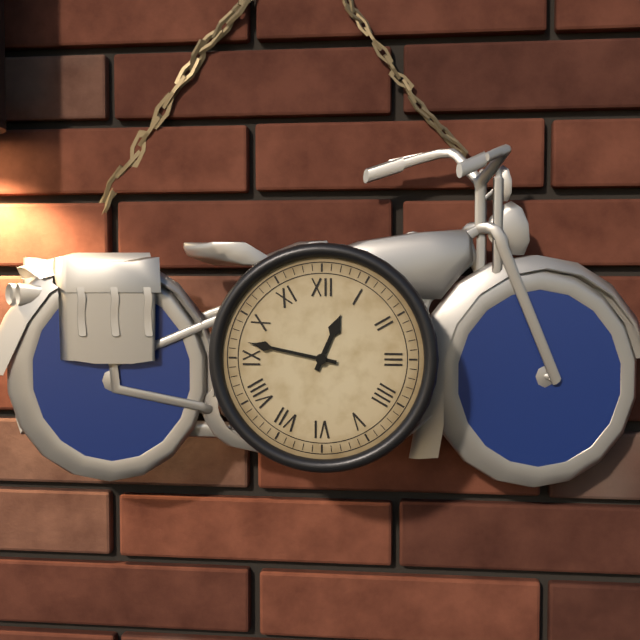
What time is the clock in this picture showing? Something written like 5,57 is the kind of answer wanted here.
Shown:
12,47
